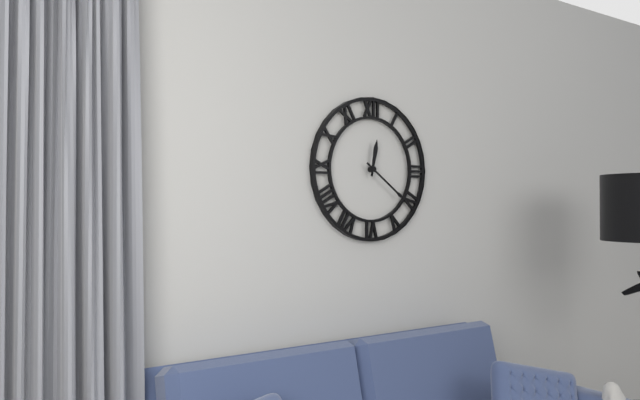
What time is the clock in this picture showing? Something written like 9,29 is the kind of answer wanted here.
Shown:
12,21
